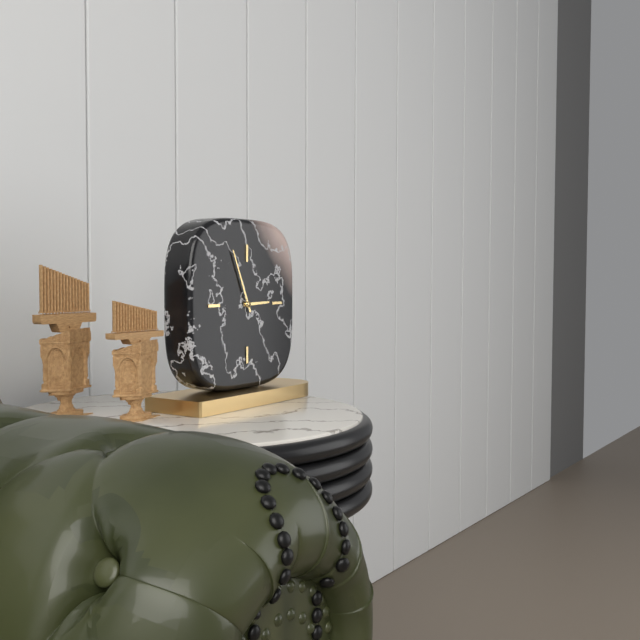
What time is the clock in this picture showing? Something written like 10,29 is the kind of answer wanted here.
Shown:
2,56
